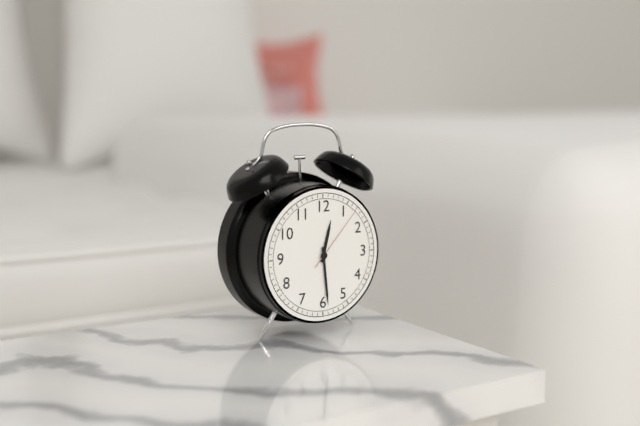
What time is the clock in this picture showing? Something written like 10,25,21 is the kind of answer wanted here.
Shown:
12,29,07
